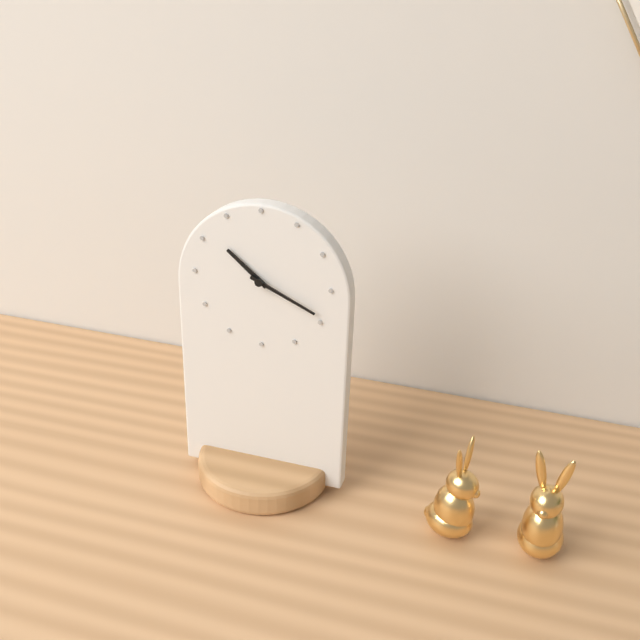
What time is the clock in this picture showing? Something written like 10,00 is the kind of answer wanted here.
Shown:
10,19
